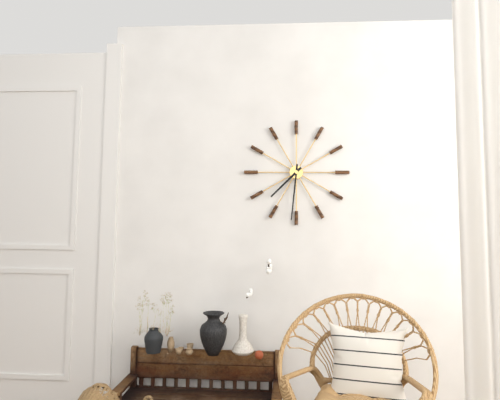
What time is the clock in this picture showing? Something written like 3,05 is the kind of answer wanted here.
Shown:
7,31
